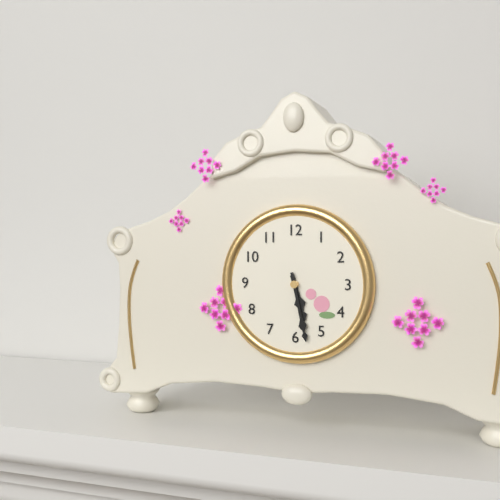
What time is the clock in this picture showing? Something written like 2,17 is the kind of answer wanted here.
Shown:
5,28
